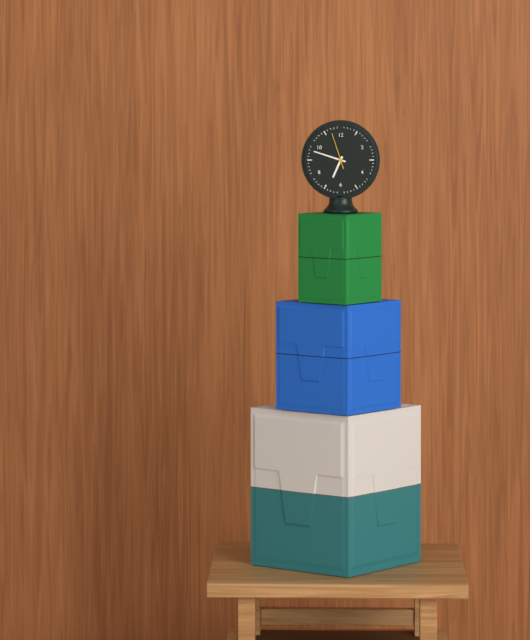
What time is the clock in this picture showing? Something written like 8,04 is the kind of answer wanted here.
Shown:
6,48
